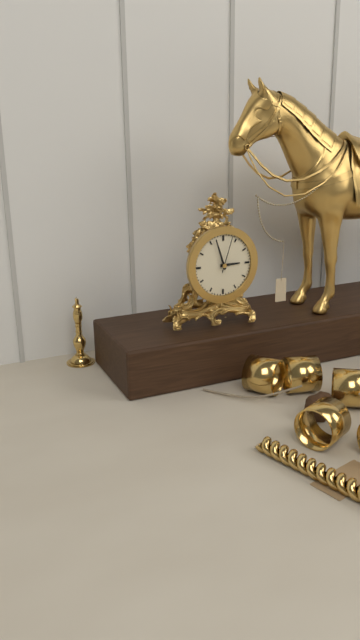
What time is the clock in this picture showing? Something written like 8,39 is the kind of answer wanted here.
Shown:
2,57
